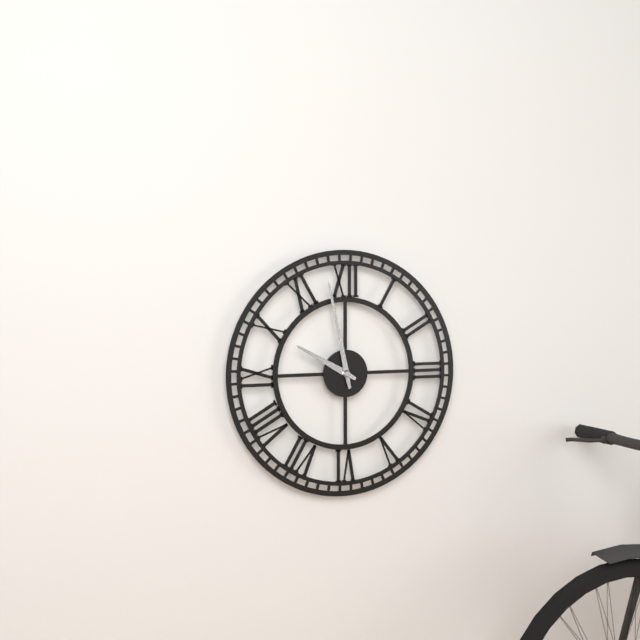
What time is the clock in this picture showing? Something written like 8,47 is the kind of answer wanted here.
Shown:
9,58
